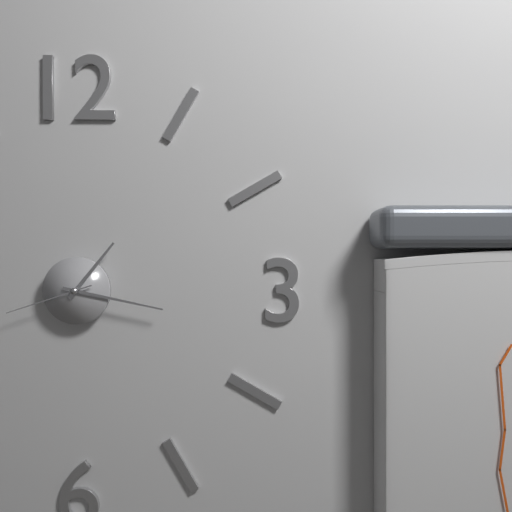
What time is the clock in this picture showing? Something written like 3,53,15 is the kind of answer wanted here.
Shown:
1,17,42
